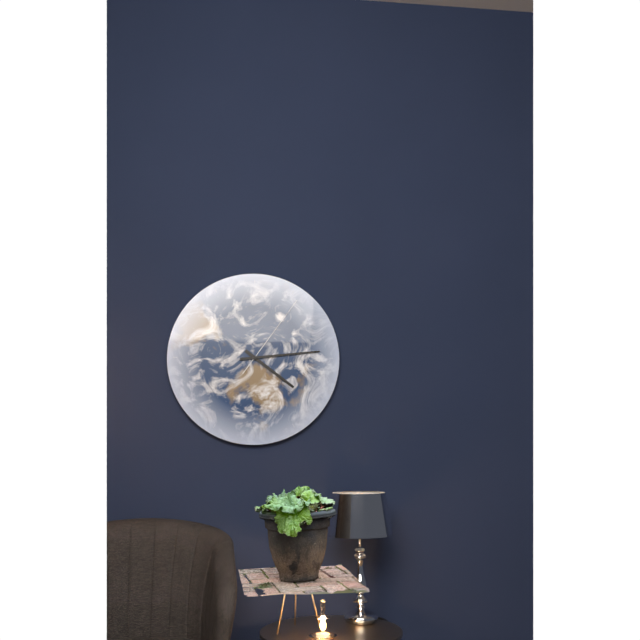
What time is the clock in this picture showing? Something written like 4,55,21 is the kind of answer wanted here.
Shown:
4,14,06
